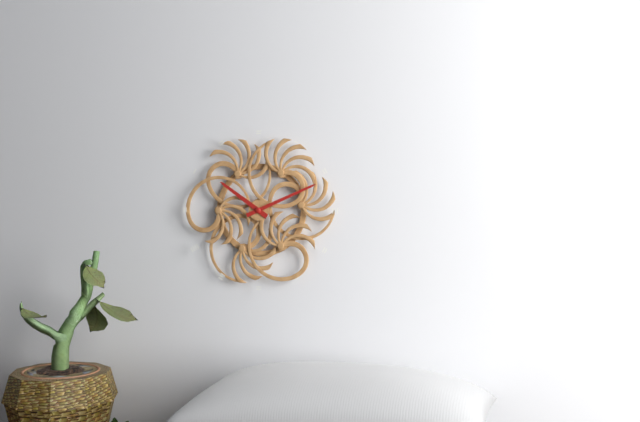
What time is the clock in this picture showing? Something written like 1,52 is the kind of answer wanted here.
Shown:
10,11
